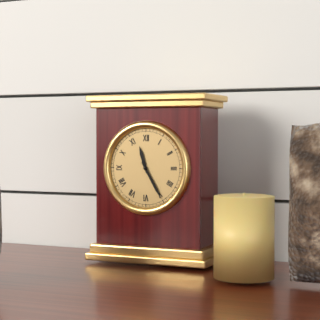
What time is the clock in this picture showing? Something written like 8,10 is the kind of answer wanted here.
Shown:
11,25
